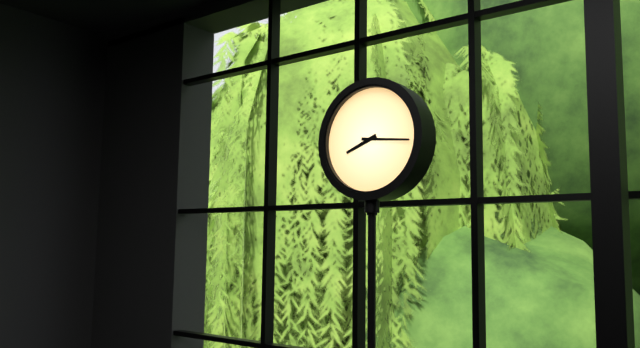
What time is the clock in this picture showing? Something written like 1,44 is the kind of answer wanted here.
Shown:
8,16
